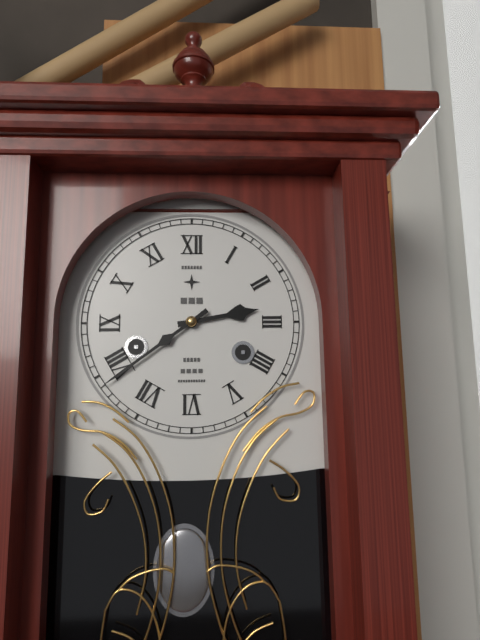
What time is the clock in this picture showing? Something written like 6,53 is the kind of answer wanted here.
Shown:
2,39
